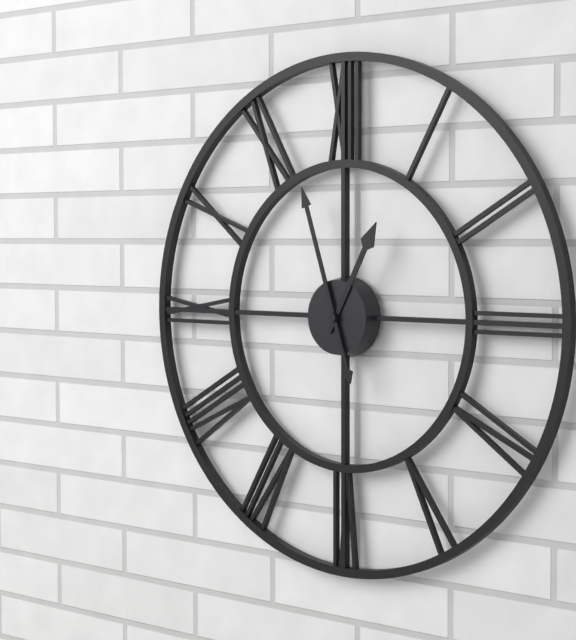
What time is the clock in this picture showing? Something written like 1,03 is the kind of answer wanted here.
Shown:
12,57
